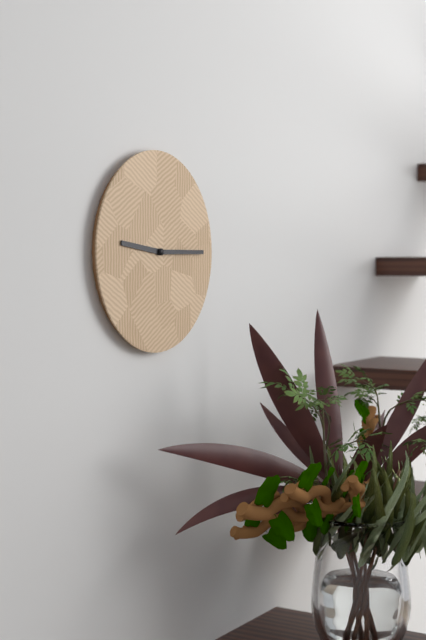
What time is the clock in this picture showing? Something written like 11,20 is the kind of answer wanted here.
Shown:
9,15
